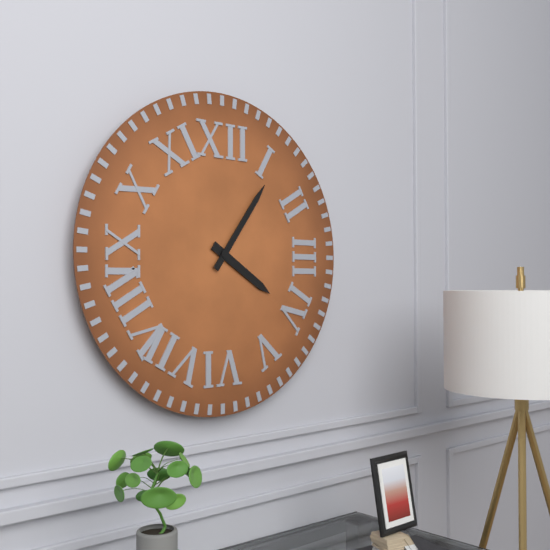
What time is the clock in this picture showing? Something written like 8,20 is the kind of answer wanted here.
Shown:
4,06
